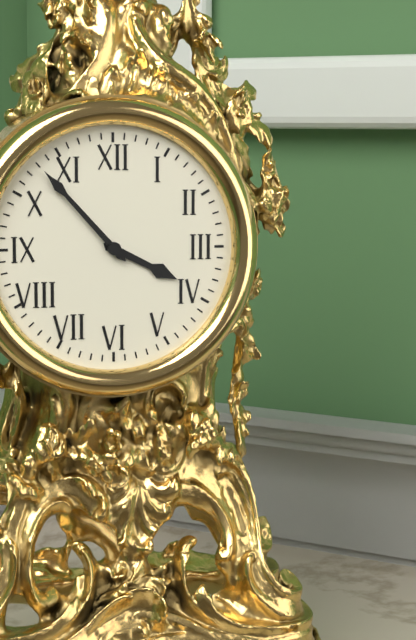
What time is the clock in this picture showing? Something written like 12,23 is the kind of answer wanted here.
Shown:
3,53
